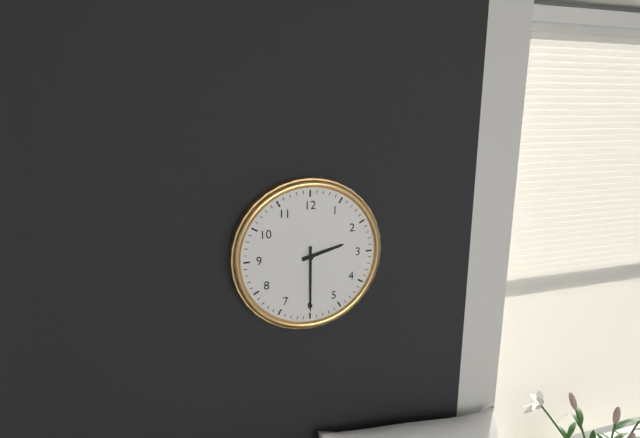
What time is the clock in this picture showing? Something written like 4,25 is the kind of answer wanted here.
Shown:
2,30
